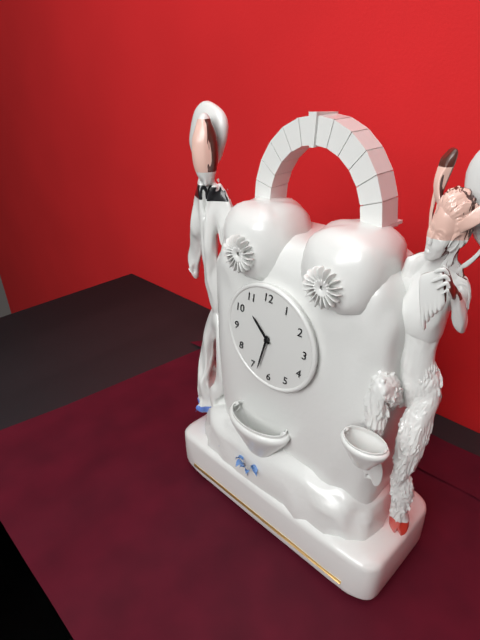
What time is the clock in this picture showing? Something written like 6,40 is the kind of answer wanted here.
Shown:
10,33
